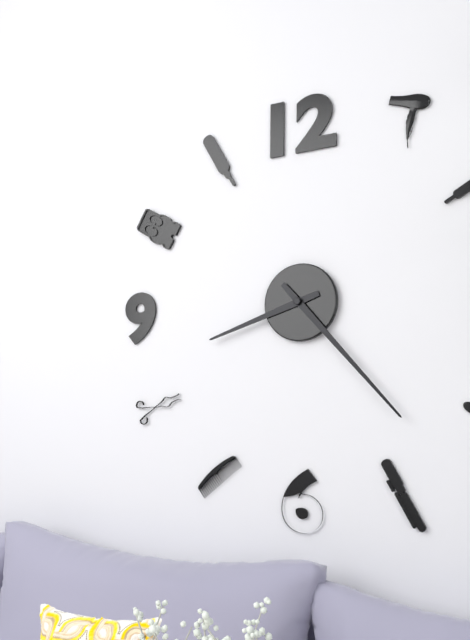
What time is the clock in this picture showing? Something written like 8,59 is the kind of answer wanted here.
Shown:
8,23
